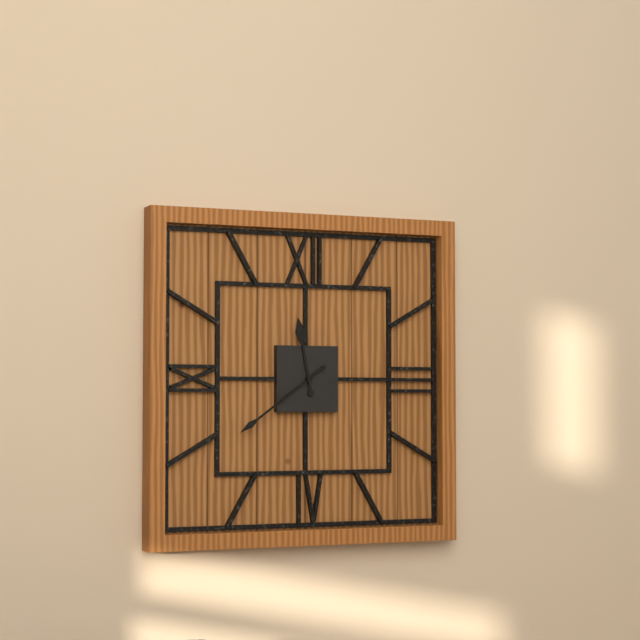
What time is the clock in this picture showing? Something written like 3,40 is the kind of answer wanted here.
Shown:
11,39
